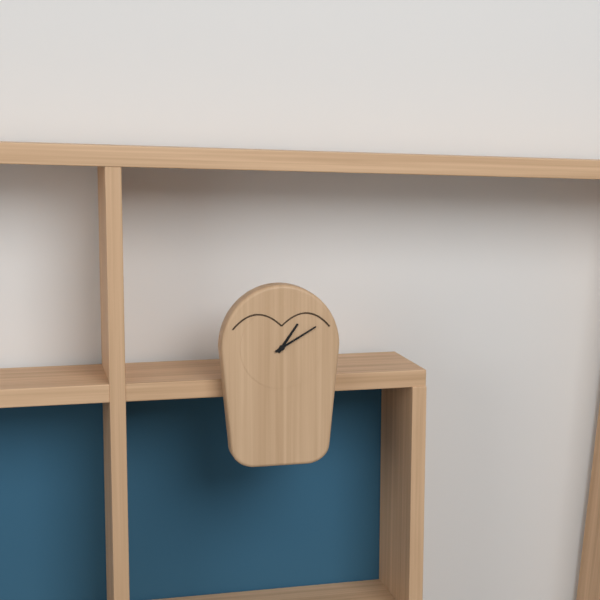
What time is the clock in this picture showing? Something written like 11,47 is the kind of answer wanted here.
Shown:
1,10
